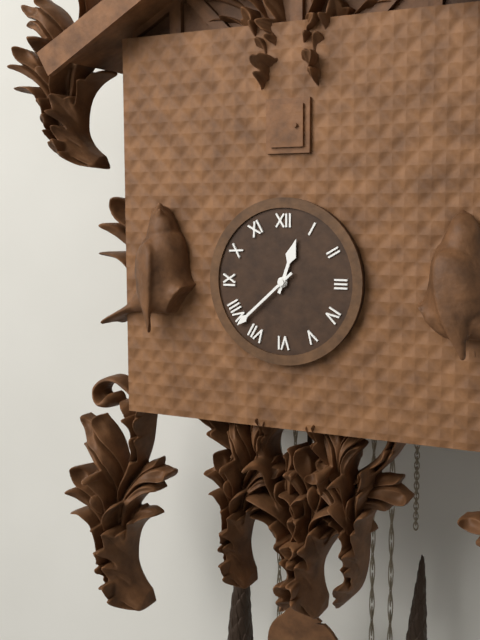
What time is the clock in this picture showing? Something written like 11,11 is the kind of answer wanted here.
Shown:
12,38
